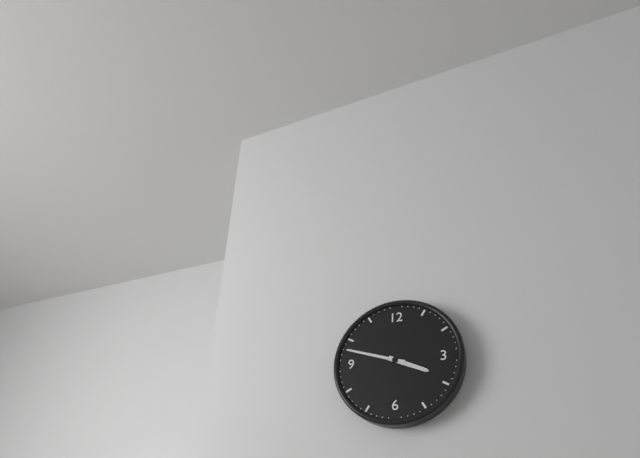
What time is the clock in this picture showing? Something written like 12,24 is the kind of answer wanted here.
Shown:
3,48
